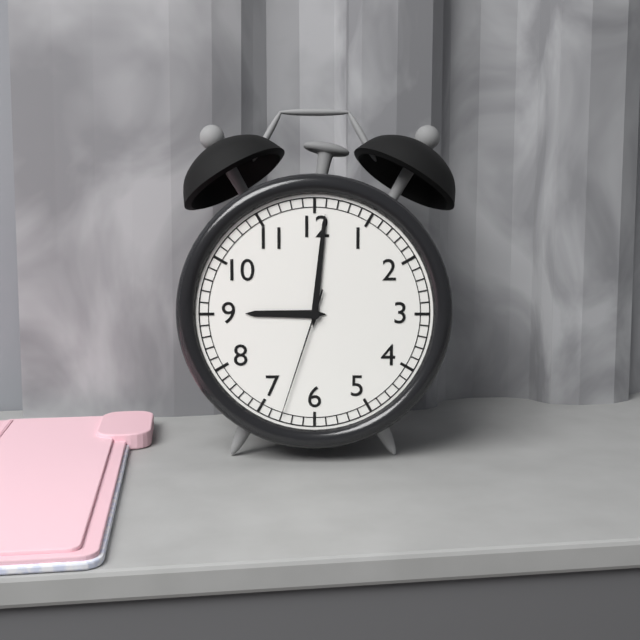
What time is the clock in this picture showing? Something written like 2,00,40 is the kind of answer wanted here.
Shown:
9,01,33
